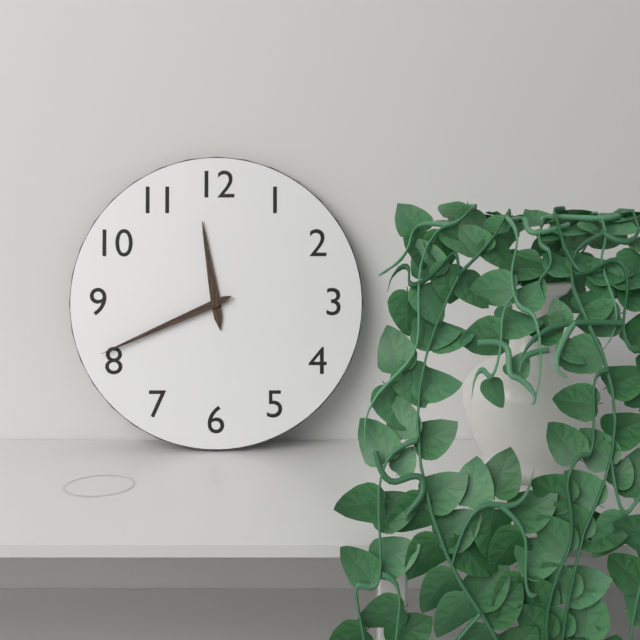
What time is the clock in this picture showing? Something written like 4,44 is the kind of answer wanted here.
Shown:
11,41
